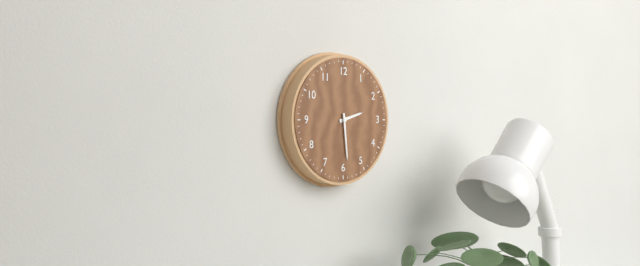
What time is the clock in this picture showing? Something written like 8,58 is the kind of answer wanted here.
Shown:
2,29
